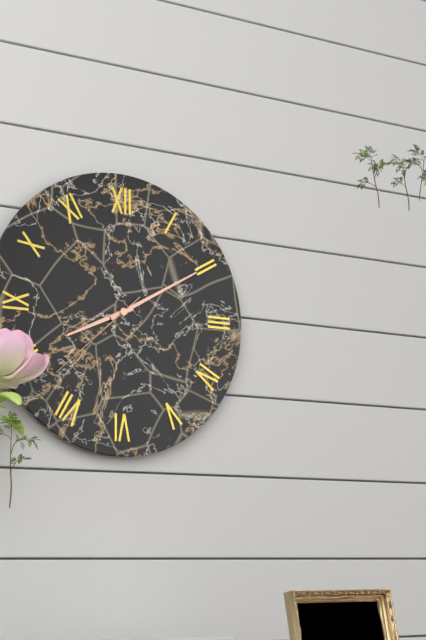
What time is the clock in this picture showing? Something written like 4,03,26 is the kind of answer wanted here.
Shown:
8,10,38
